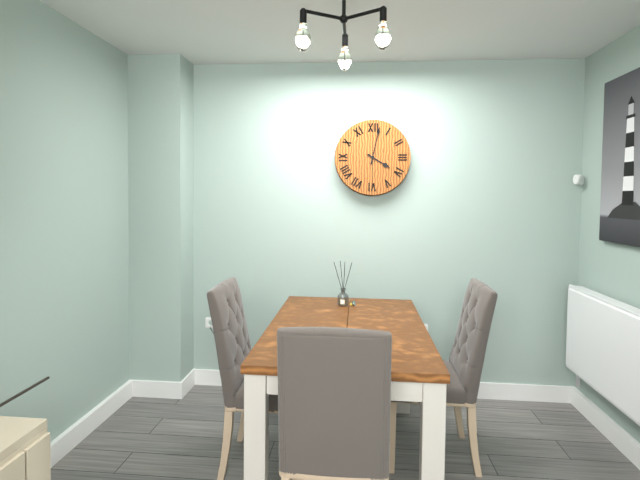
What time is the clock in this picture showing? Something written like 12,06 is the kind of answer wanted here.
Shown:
4,02
